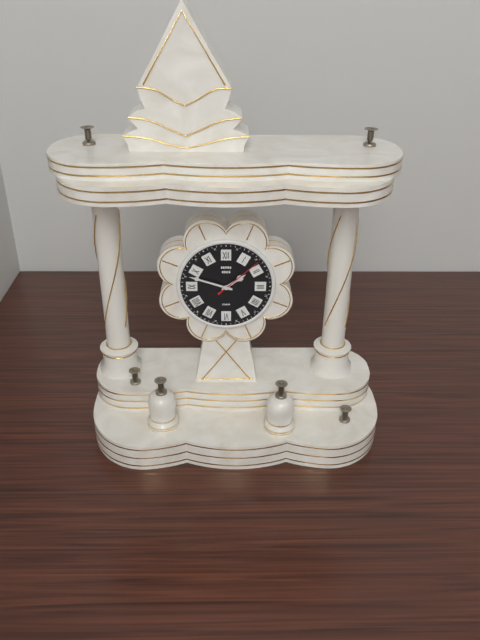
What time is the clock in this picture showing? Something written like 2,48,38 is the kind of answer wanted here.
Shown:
1,48,08
